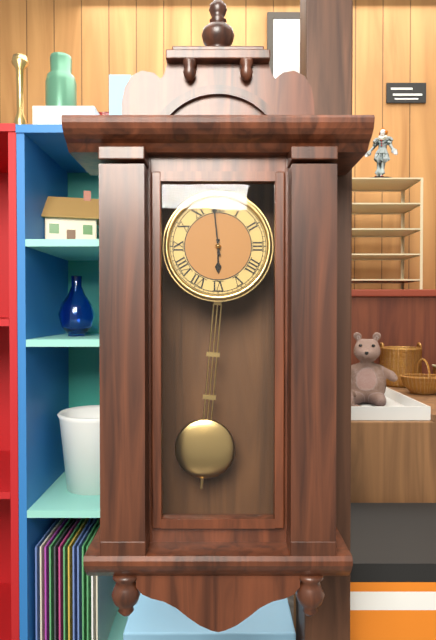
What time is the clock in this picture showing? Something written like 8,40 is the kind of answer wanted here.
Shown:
5,59
